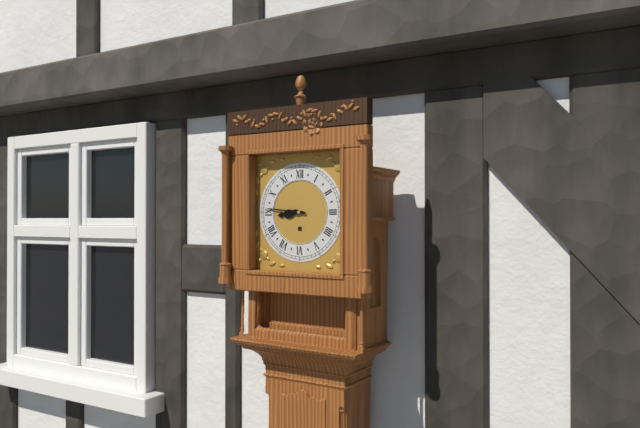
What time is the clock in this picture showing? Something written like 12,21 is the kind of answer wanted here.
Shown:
8,46
